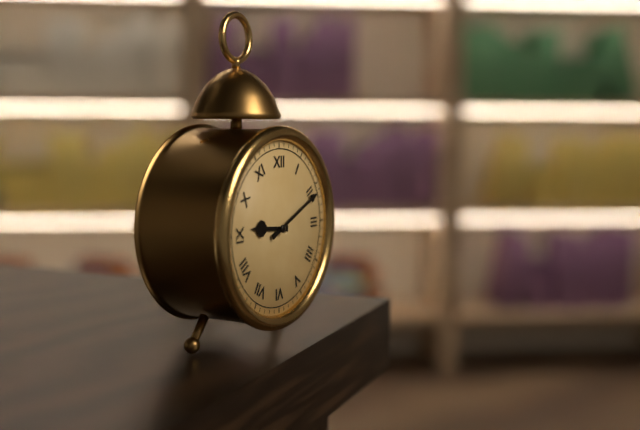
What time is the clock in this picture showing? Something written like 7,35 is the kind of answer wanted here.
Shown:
9,11
